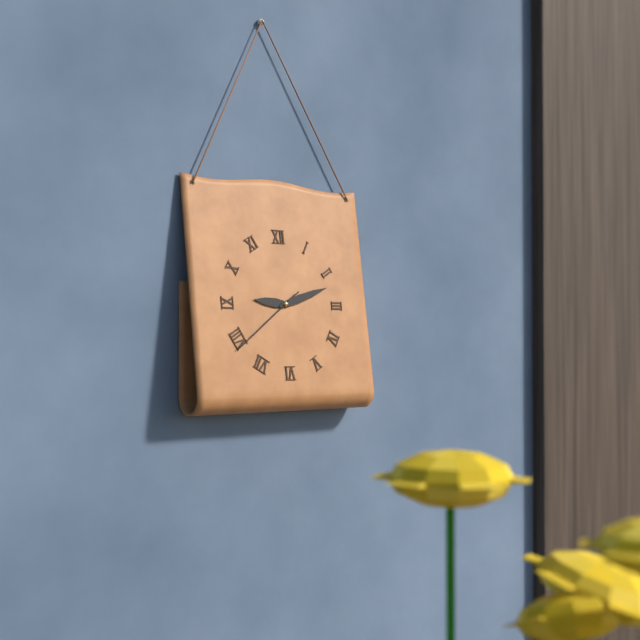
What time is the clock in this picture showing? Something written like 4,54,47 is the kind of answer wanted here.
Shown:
9,12,39
